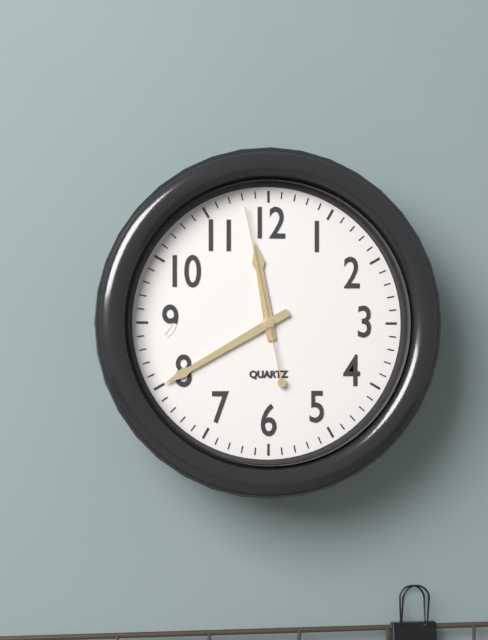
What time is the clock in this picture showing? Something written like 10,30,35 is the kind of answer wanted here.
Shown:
11,40,58
